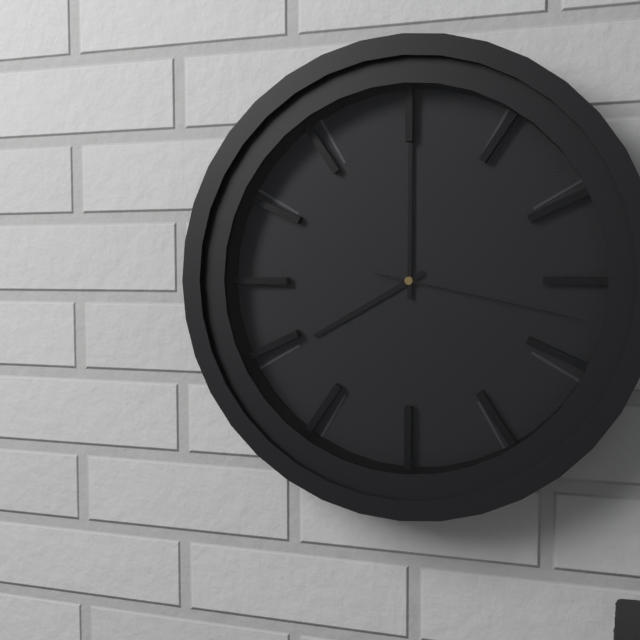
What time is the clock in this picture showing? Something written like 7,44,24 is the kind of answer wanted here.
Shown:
8,00,17
